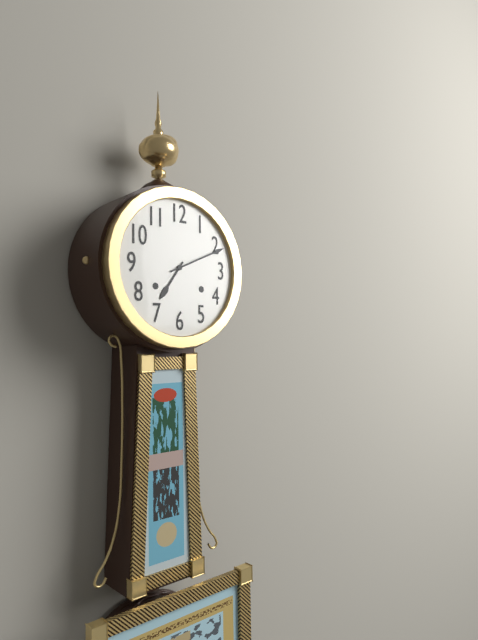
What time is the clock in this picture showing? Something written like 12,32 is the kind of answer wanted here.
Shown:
7,11
